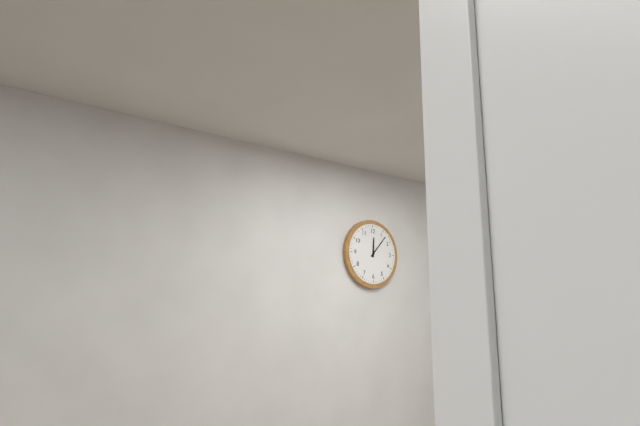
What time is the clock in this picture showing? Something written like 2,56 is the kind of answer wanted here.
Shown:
12,07
